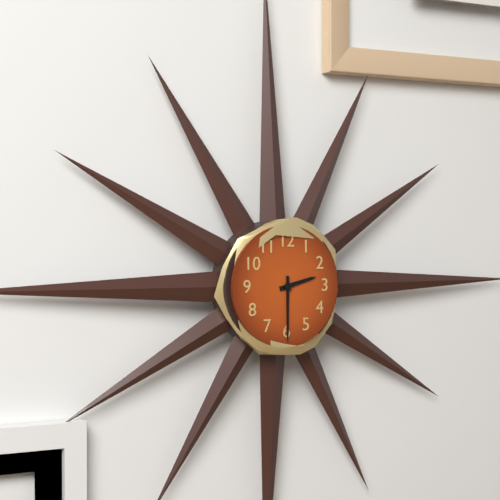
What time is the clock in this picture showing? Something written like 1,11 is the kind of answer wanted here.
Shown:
2,30
